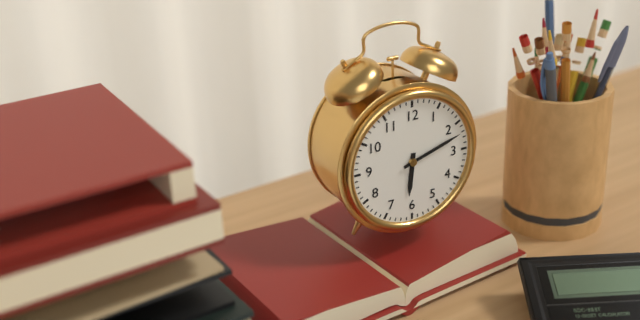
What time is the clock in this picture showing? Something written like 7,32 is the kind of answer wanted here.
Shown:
6,12
